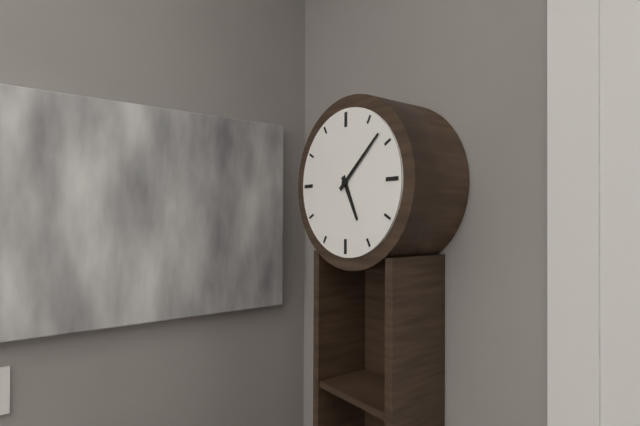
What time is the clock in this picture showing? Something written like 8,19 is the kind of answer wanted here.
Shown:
5,08
